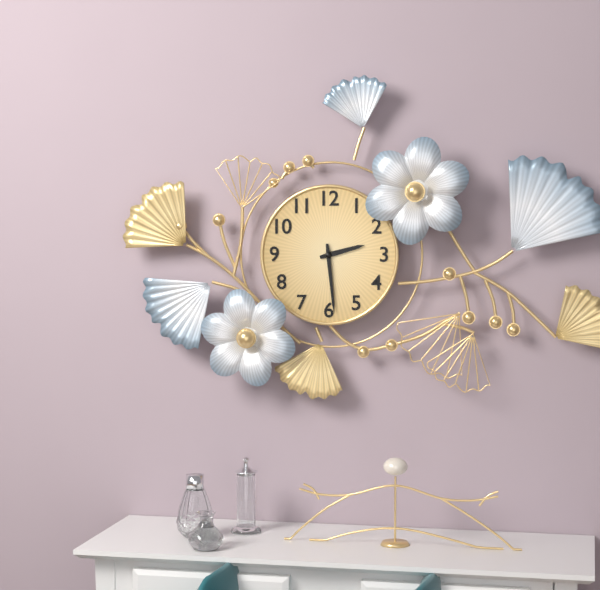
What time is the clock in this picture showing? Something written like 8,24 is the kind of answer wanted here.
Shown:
2,29
